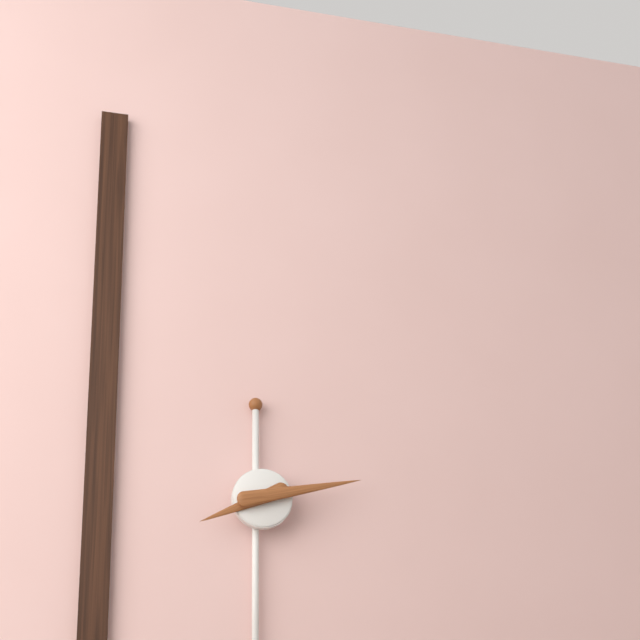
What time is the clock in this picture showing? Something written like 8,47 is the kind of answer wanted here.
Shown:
8,13
